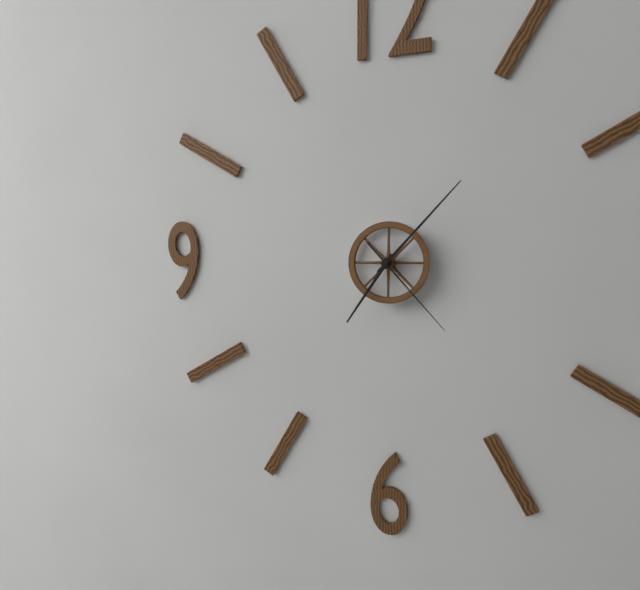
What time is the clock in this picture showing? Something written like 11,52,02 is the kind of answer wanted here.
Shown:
7,07,23
